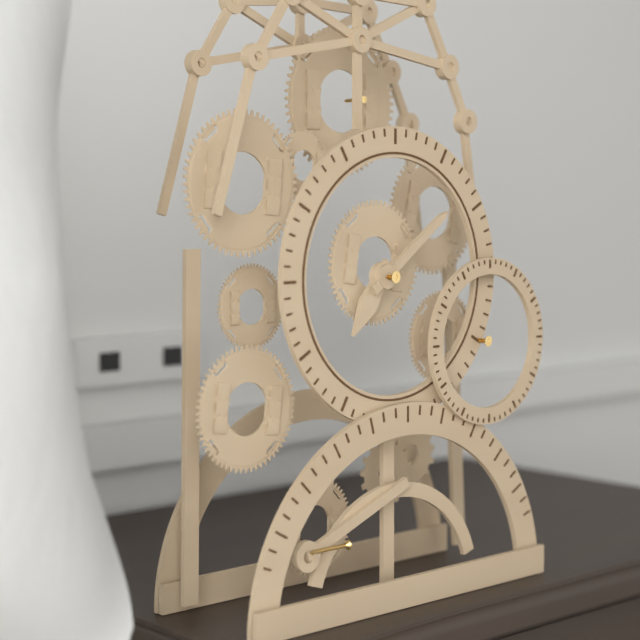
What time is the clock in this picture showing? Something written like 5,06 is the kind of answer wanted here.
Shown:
7,09
